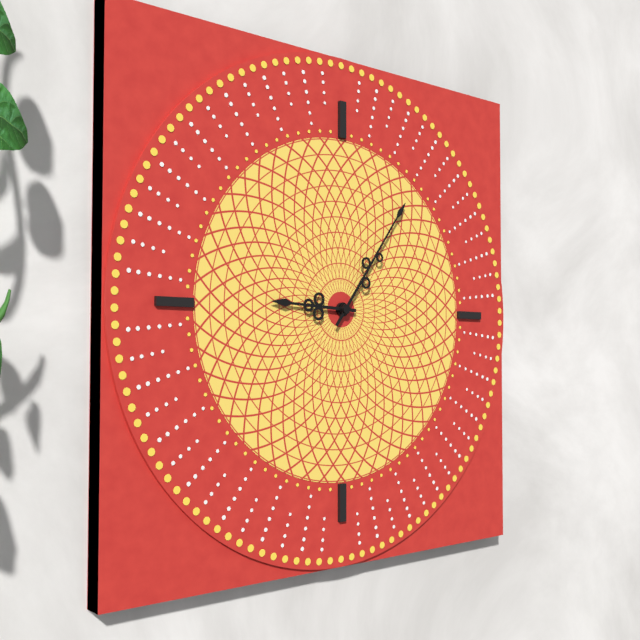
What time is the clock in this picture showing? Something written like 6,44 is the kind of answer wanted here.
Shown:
9,06
